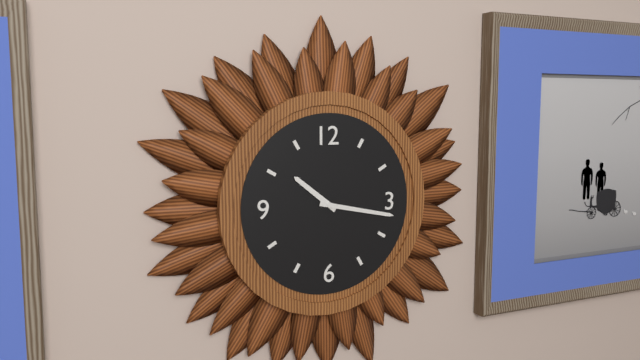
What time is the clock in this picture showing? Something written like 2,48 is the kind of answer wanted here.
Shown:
10,17
